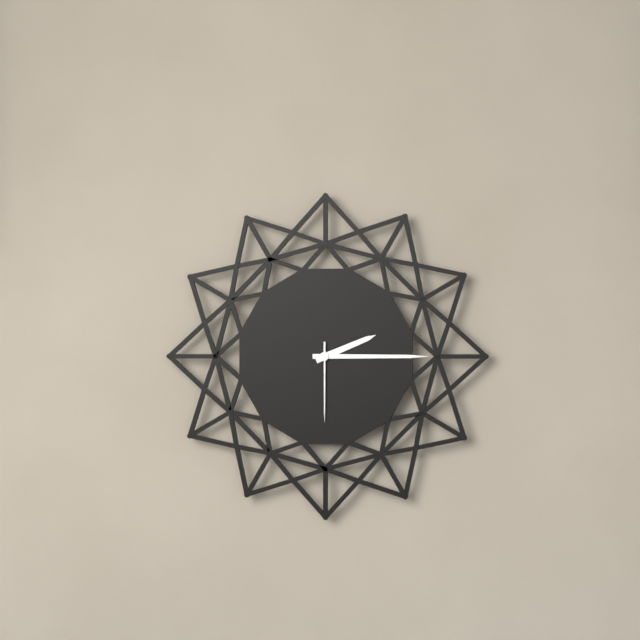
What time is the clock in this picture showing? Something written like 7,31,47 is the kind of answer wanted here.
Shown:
2,15,30
